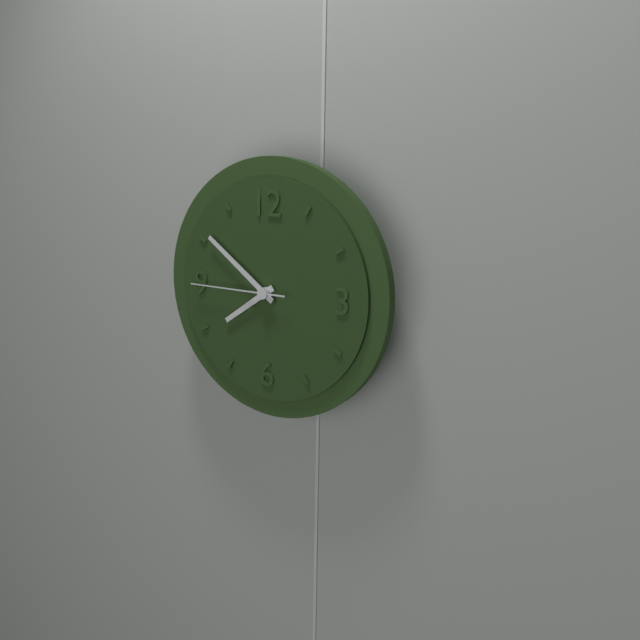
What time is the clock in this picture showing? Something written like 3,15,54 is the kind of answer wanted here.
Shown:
7,51,45
